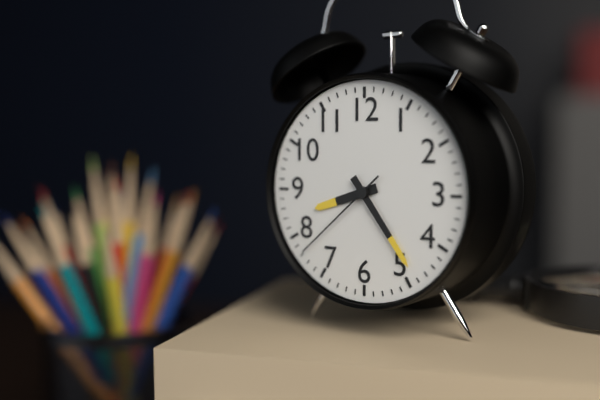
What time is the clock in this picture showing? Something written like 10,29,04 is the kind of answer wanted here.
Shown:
8,24,38
